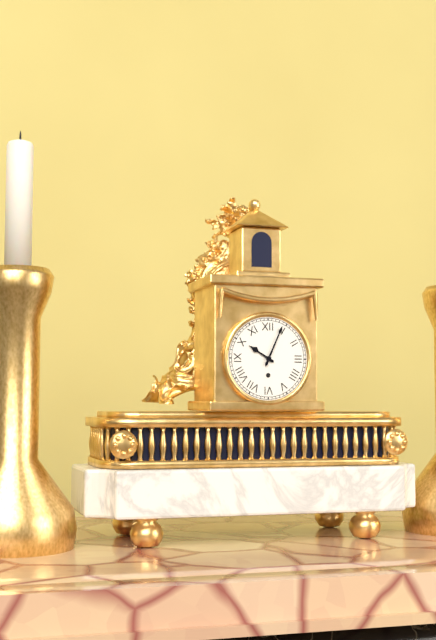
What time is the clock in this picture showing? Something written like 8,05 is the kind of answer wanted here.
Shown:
10,04
